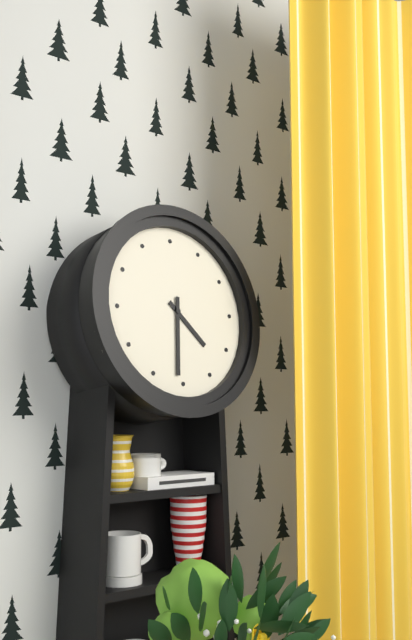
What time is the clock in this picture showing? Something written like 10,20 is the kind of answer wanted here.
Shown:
4,31
